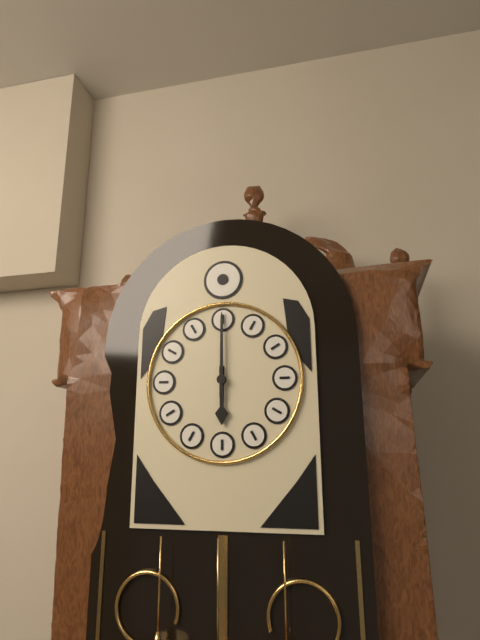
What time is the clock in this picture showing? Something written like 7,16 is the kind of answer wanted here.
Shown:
6,00
